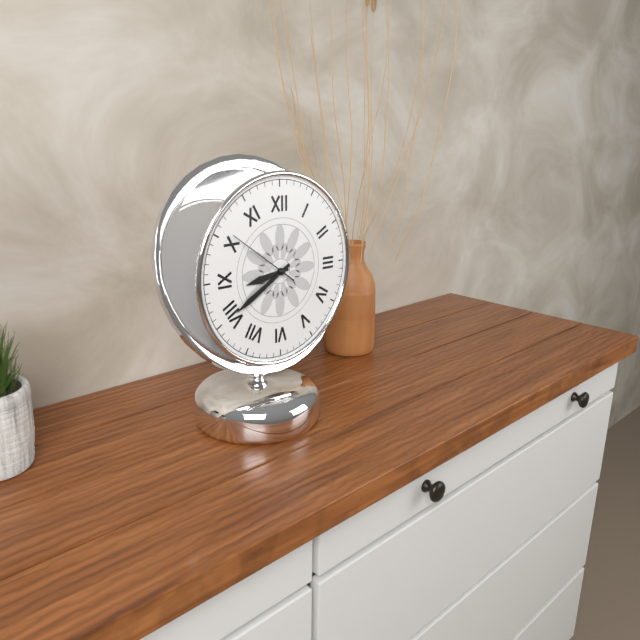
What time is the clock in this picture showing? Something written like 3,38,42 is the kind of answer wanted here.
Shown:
8,40,51
